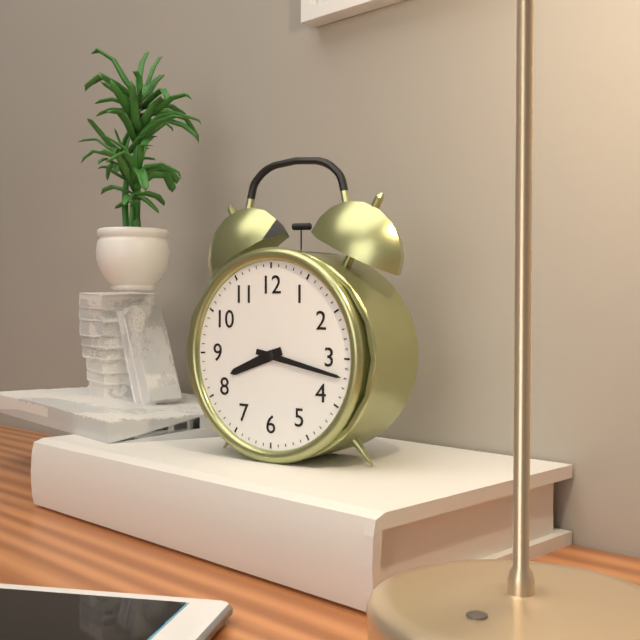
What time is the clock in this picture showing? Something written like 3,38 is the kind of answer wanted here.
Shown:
8,17
